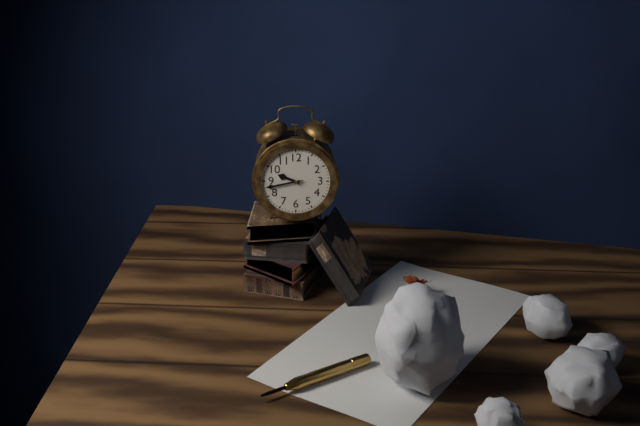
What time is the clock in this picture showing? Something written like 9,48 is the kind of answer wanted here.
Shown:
9,43
